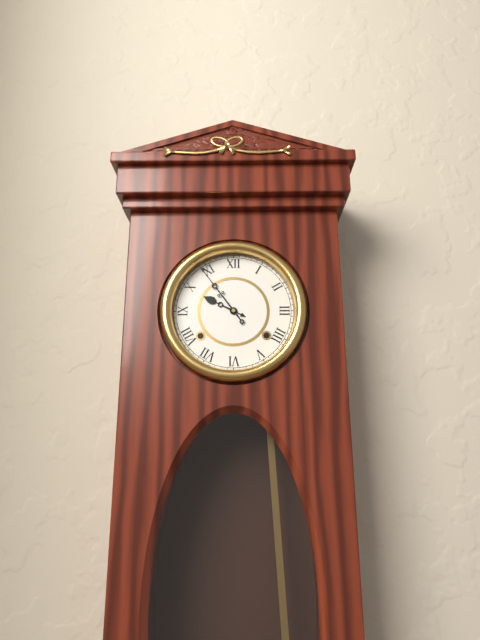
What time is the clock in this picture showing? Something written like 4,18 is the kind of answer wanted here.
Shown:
9,54
